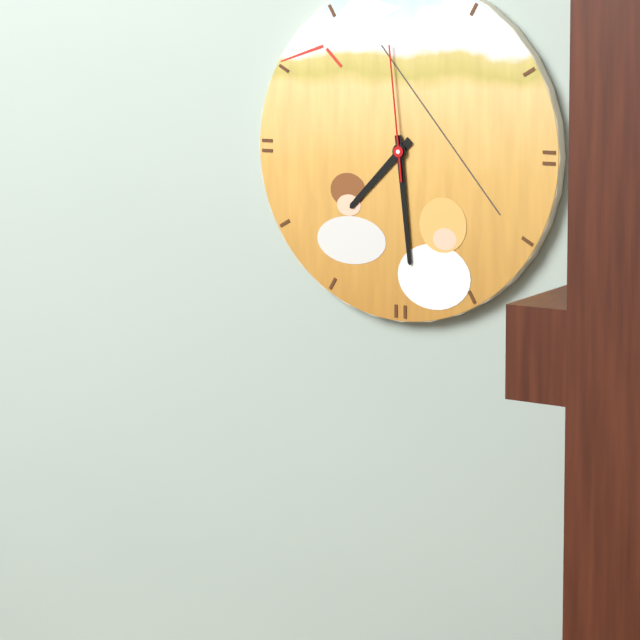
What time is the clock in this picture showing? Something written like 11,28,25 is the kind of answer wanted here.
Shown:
7,29,59
